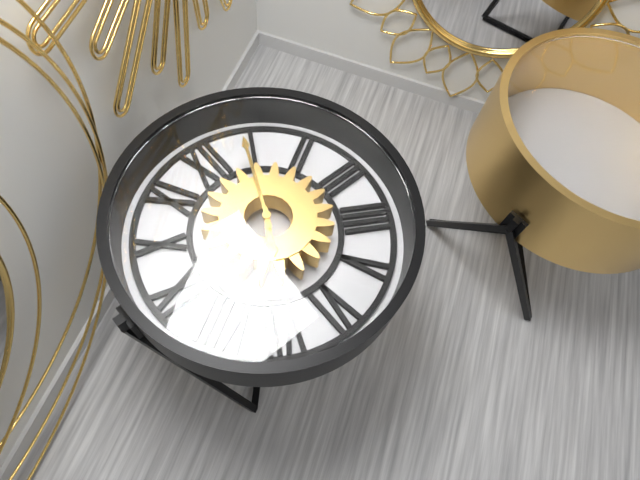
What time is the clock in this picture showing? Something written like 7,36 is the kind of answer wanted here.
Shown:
7,04
